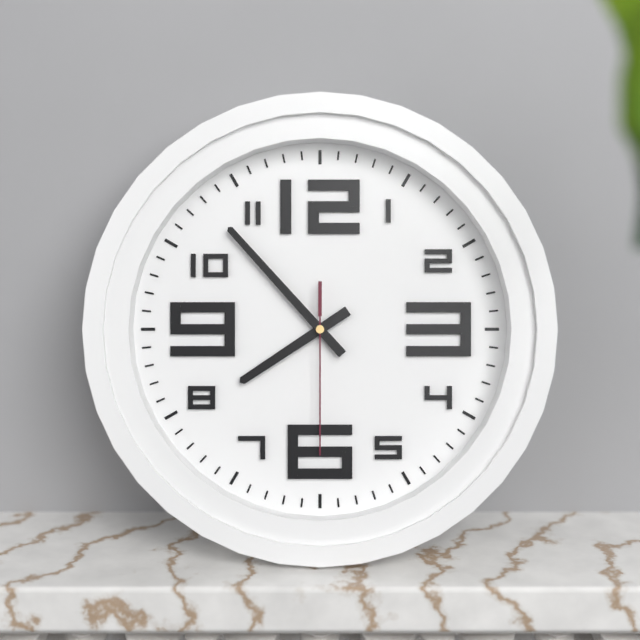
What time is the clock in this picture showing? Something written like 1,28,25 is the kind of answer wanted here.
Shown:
7,53,30
